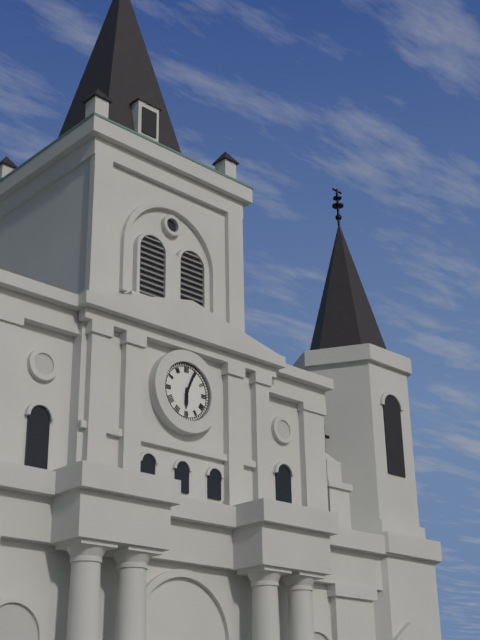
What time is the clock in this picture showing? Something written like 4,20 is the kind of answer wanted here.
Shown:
6,04
